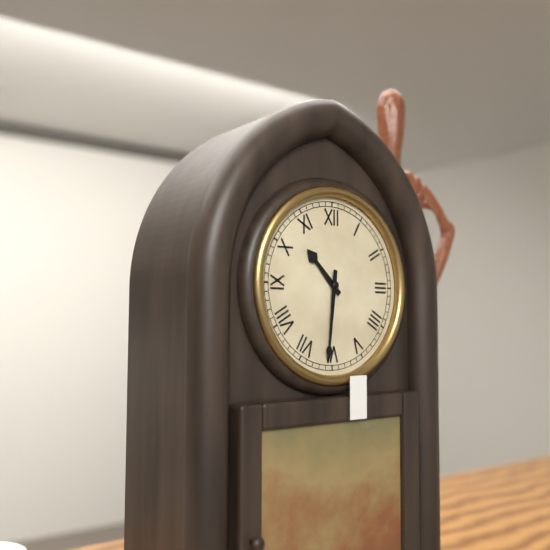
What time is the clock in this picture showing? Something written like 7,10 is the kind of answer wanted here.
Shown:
10,31
